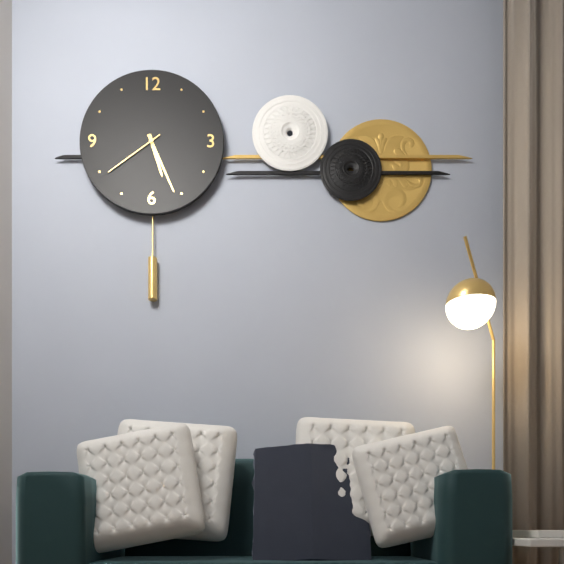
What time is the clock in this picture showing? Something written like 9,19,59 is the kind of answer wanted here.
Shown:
5,26,39
